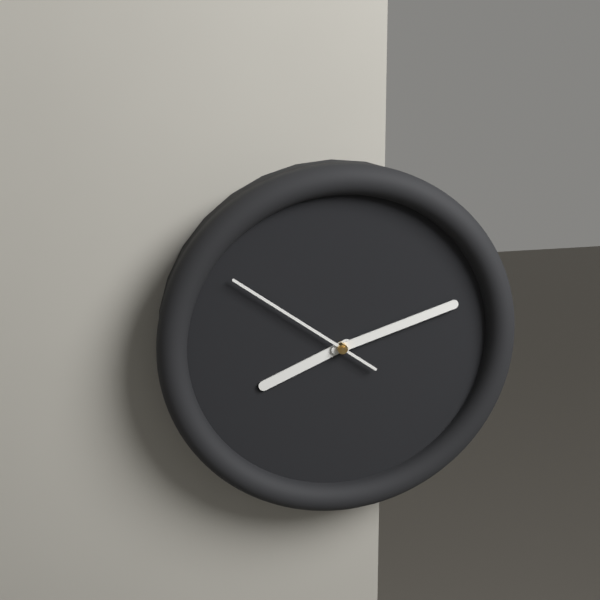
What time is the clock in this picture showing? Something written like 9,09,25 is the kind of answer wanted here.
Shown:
8,12,51
